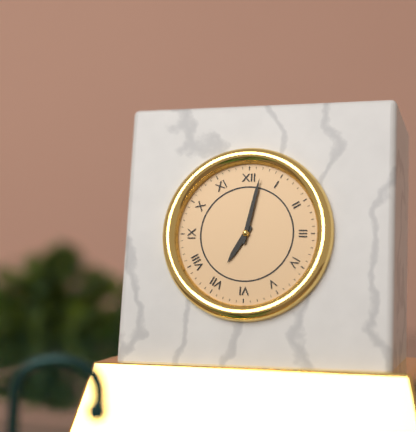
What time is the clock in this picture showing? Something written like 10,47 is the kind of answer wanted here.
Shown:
7,02
